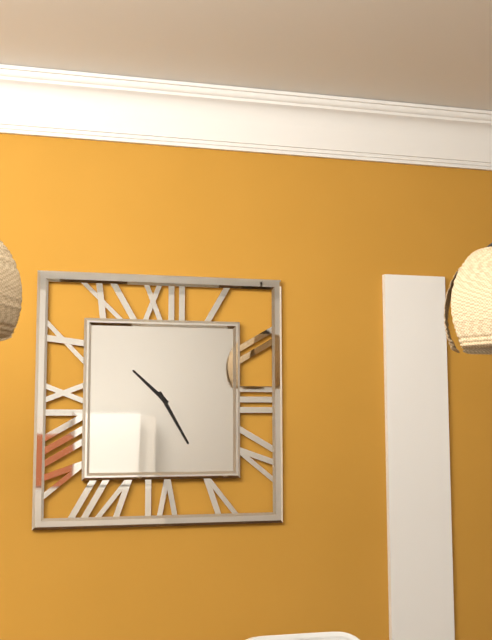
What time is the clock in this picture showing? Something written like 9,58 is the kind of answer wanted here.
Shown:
10,25
